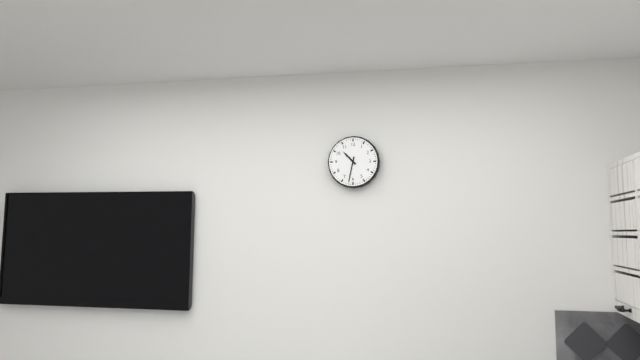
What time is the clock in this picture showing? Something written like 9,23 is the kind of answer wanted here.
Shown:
10,32
